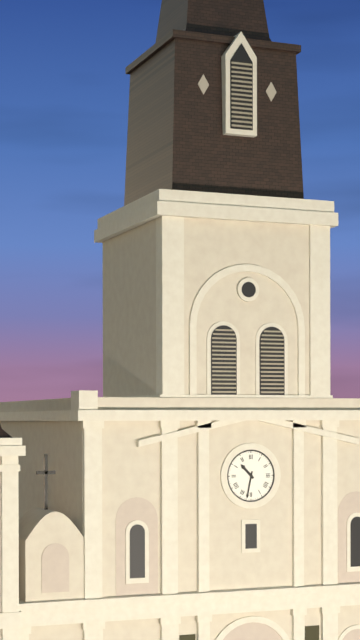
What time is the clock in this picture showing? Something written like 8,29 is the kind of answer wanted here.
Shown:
10,32
